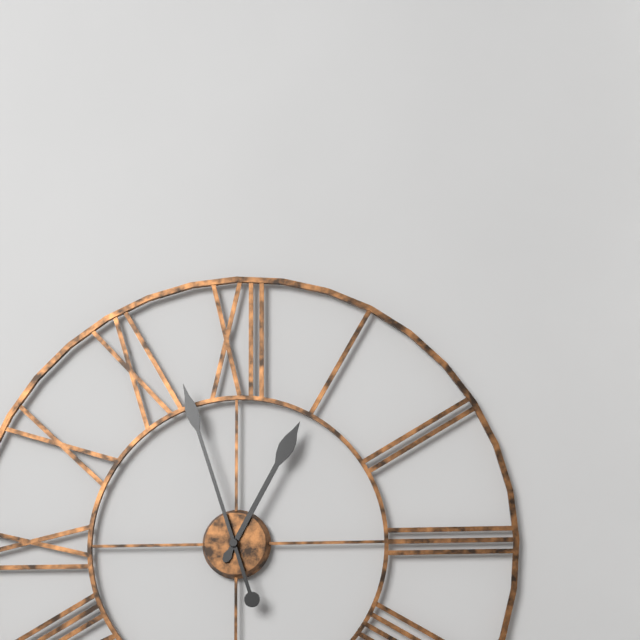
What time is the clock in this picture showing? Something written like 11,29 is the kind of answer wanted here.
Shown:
12,57
